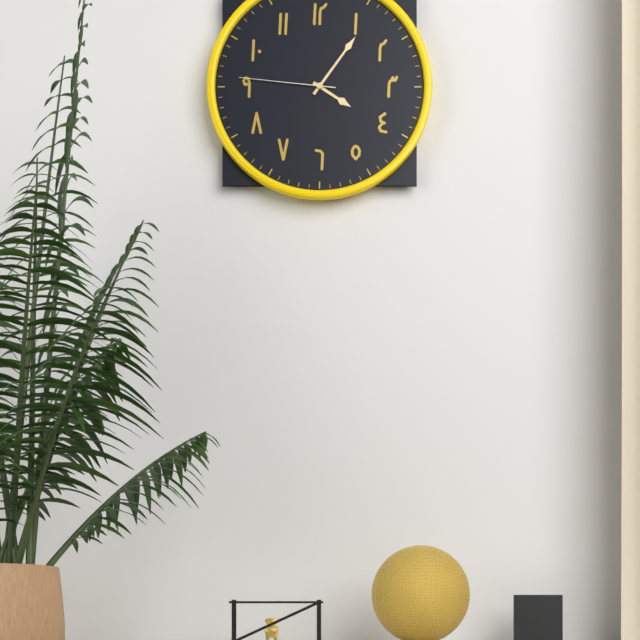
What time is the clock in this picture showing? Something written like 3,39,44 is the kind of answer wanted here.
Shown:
4,06,46
